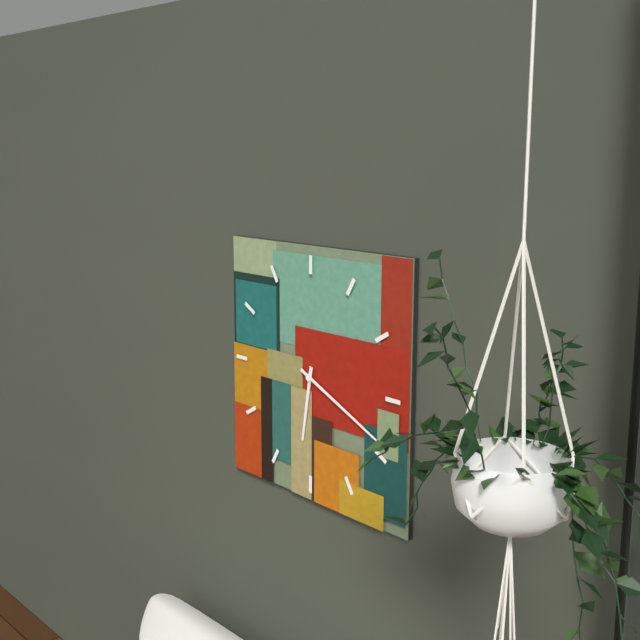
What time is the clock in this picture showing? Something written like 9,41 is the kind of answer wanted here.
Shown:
6,19
